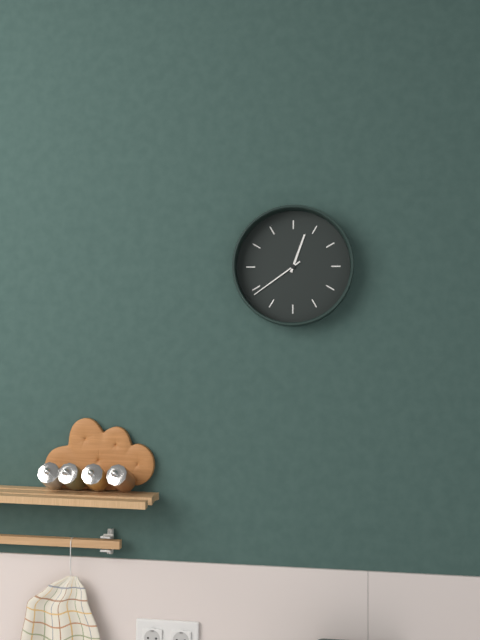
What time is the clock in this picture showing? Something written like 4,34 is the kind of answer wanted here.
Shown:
12,39
